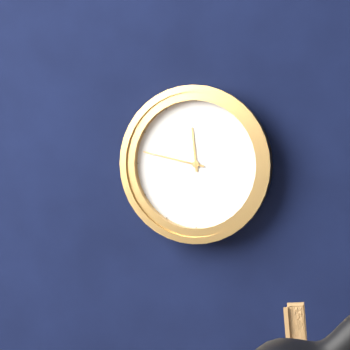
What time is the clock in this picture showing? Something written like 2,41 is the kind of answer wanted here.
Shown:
11,47
